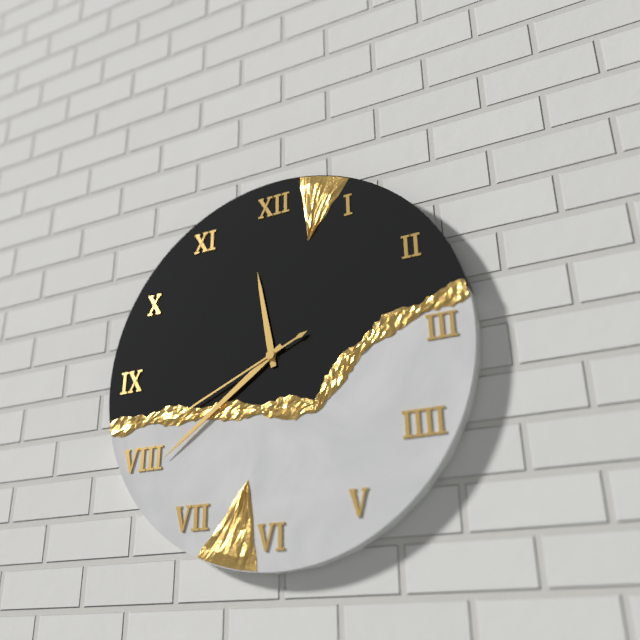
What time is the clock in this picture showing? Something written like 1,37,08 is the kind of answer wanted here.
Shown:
11,39,41
